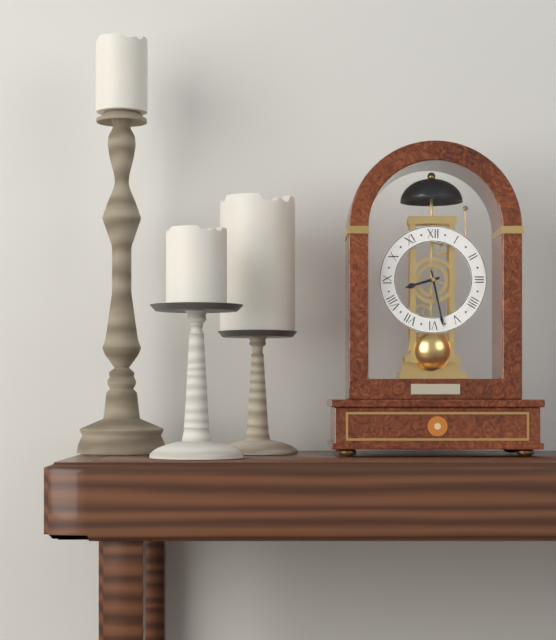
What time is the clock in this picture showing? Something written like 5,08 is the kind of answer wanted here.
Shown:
8,28
